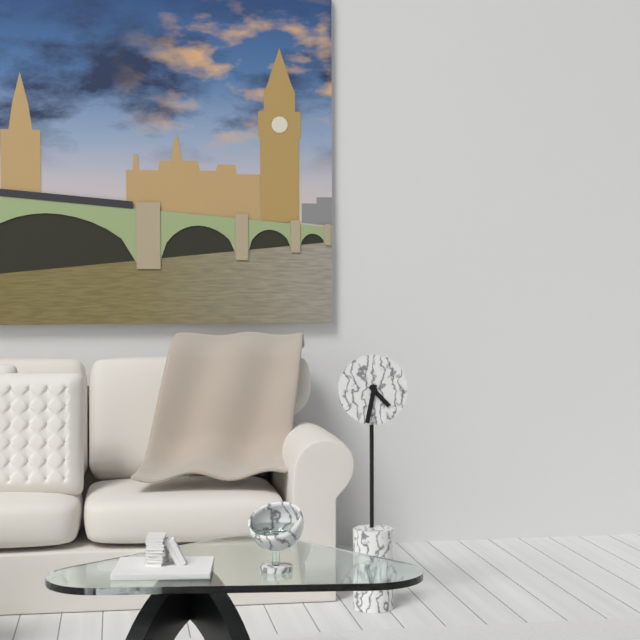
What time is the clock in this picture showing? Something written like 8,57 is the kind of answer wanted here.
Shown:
4,32
